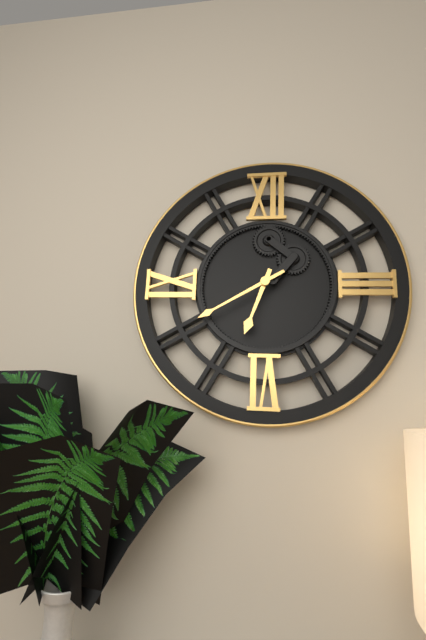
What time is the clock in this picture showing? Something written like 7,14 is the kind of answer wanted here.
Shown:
6,40
